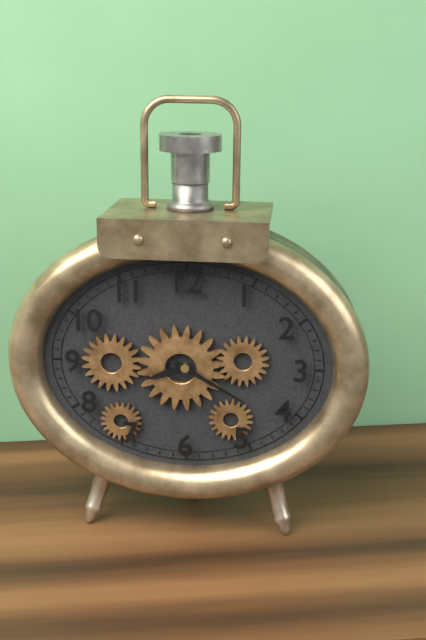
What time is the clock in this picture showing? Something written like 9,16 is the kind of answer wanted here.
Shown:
8,20
